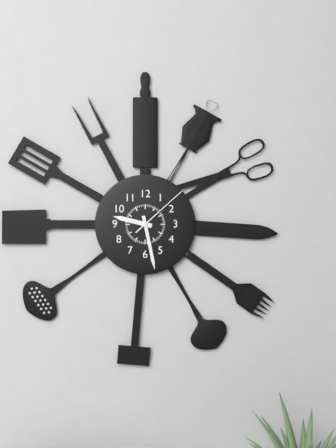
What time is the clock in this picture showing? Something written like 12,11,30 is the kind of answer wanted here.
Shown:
9,28,08
